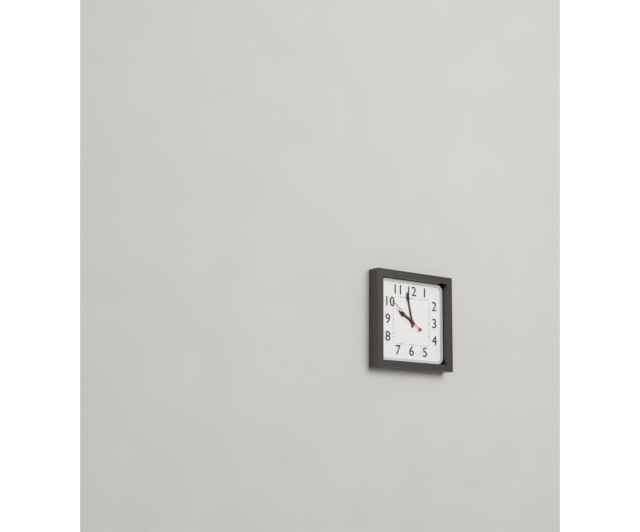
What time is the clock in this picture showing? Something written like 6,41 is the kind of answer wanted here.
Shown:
9,58
